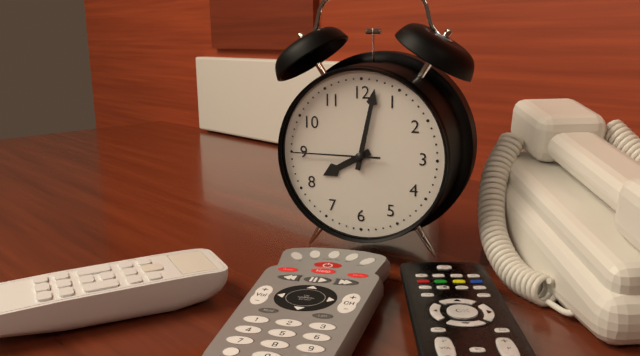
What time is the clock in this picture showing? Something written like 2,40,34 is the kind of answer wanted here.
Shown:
8,02,45
